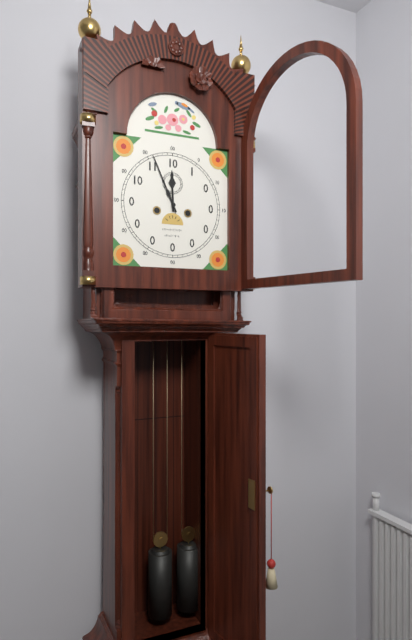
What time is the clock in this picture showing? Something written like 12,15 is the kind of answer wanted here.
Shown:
11,56
